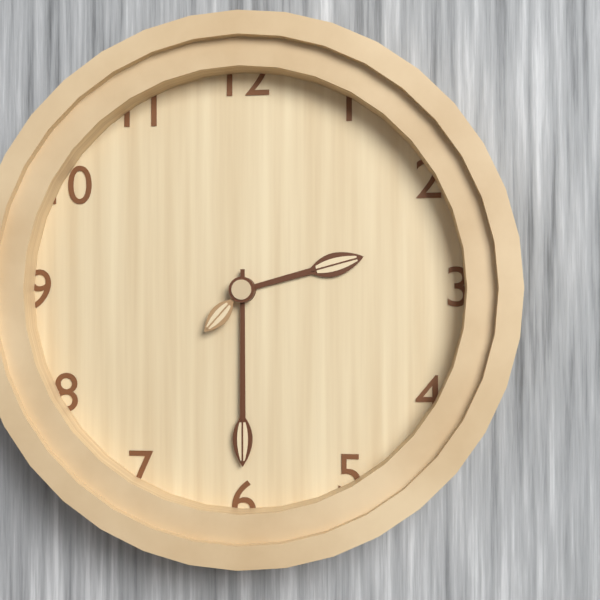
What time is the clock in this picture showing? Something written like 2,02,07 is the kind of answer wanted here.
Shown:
2,30,37
